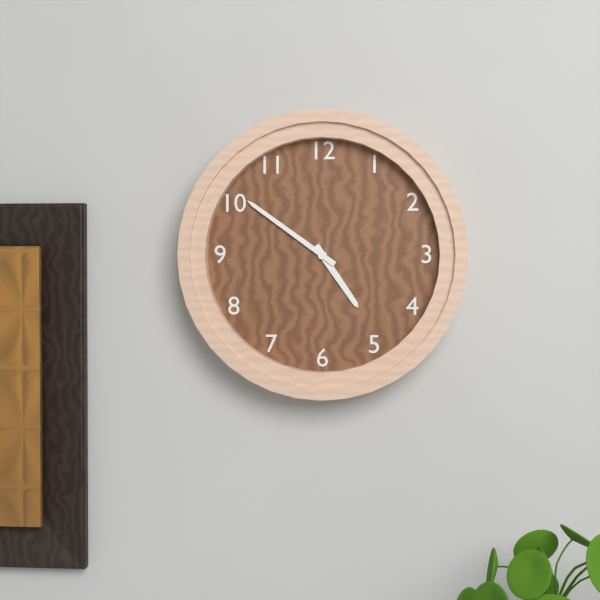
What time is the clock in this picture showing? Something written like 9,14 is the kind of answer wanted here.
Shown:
4,51
